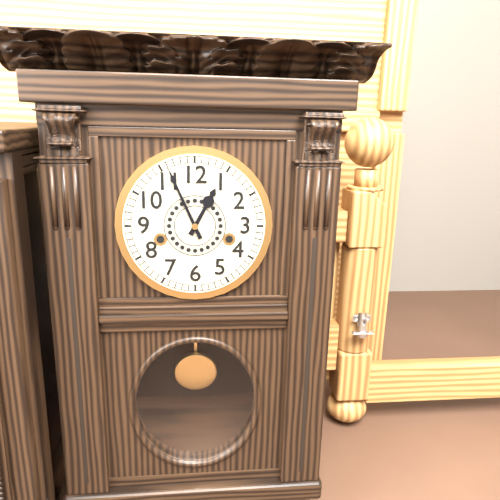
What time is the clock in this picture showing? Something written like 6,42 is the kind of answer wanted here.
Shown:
12,56
